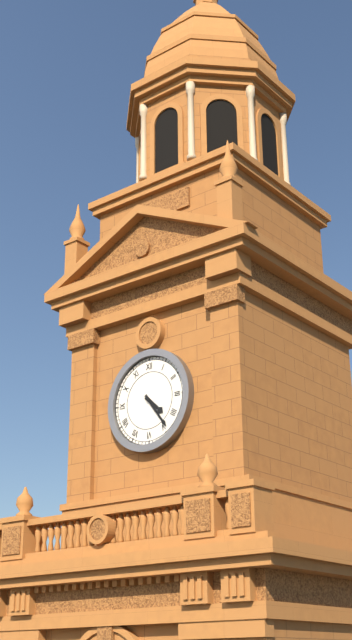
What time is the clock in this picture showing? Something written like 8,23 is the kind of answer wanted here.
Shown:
4,24
